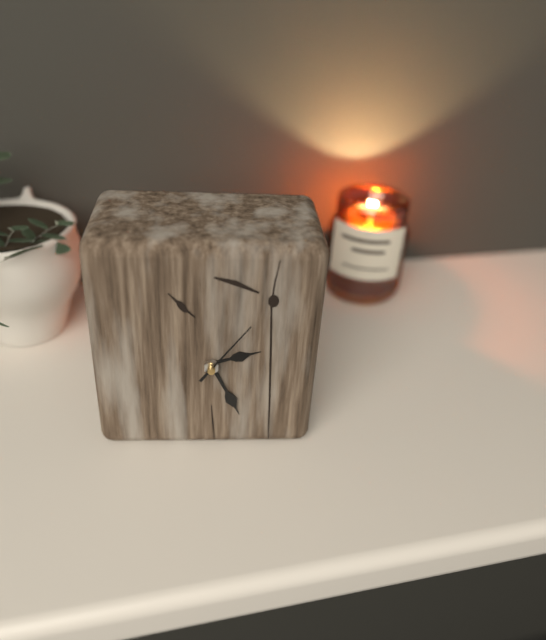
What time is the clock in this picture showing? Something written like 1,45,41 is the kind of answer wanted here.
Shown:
2,26,06
